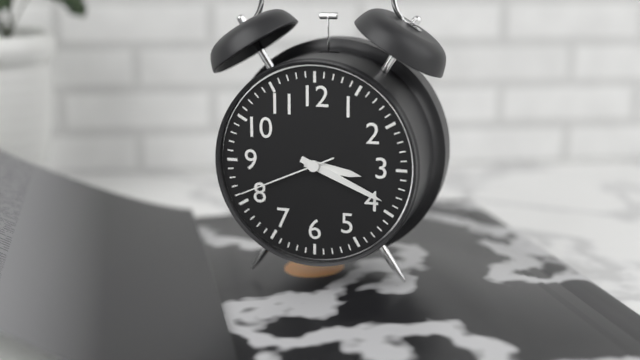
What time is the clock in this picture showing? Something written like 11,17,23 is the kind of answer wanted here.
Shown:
3,19,41
